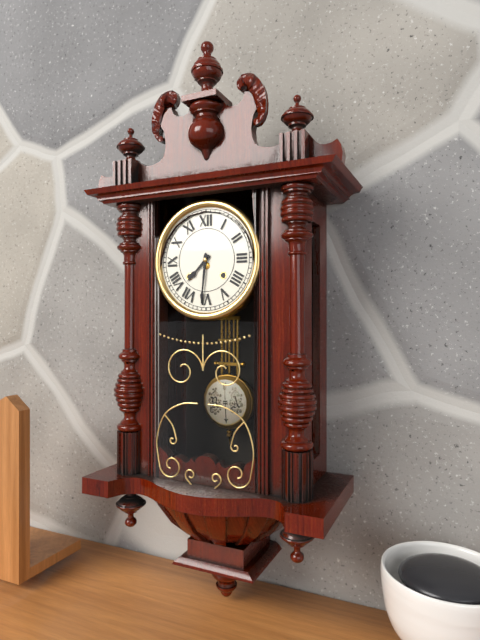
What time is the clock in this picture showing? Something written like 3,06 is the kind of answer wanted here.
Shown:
7,31
